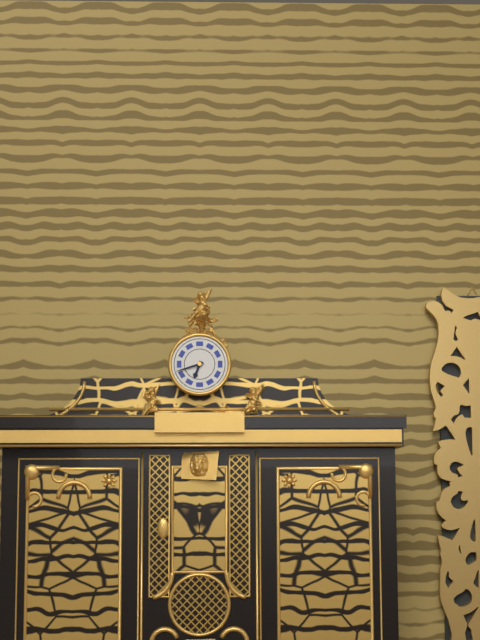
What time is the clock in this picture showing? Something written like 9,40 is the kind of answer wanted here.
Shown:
6,42
